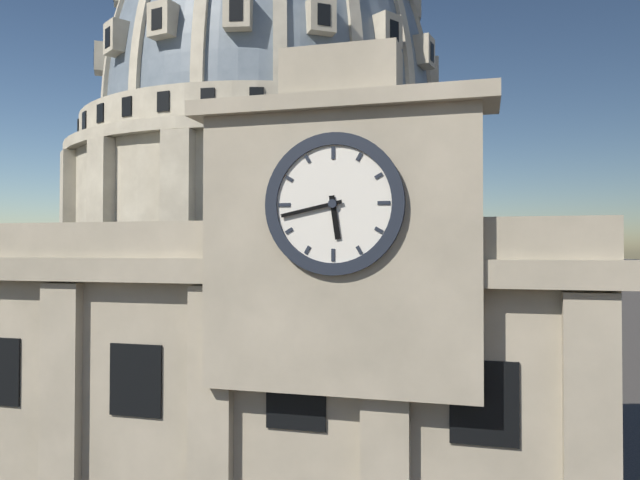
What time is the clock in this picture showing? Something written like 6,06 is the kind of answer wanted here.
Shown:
5,43
